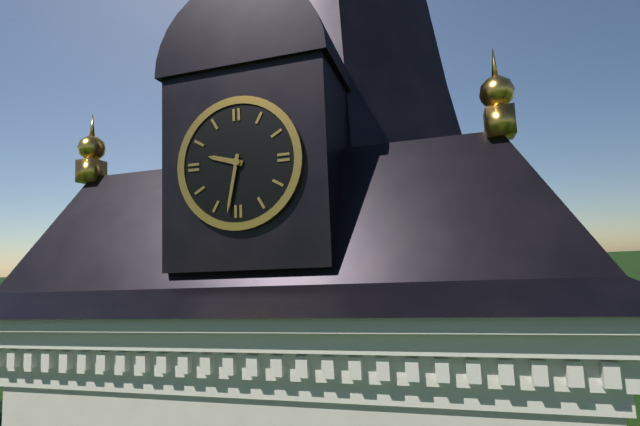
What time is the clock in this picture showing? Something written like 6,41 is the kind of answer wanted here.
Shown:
9,32
